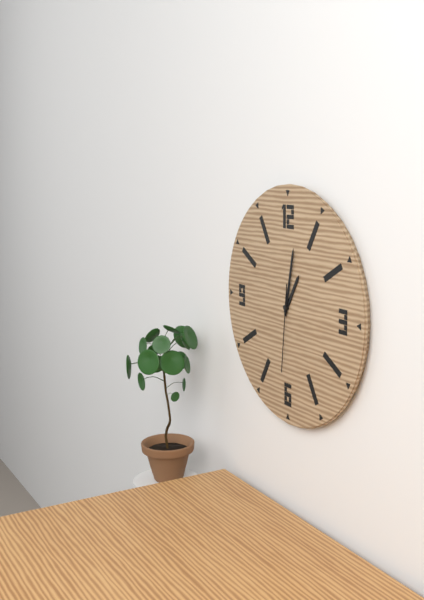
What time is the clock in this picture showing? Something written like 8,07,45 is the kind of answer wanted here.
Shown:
1,02,31
